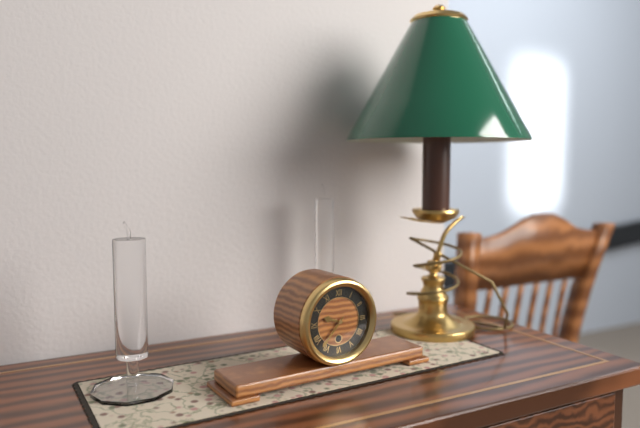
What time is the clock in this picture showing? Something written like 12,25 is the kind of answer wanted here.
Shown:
9,37
